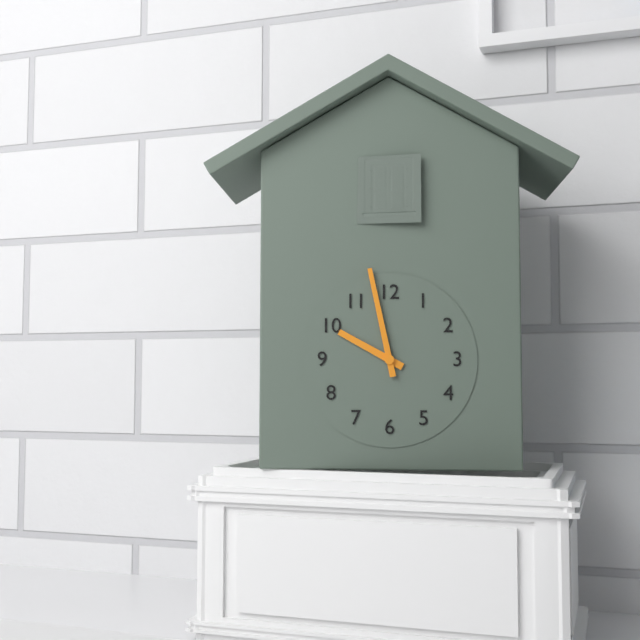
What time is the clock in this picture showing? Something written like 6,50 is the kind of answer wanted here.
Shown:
9,58
